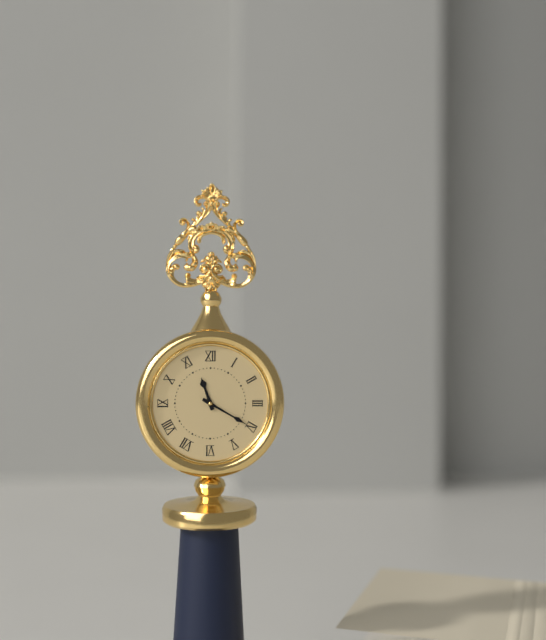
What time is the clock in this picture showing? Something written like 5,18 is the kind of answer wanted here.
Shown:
11,20
